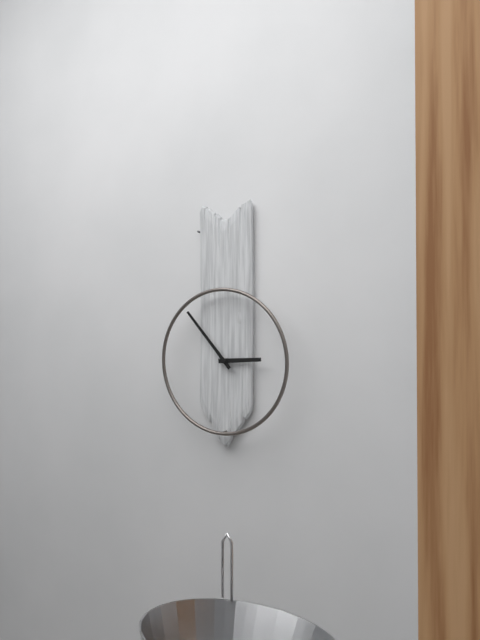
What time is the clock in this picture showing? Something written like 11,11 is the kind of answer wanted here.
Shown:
2,53
